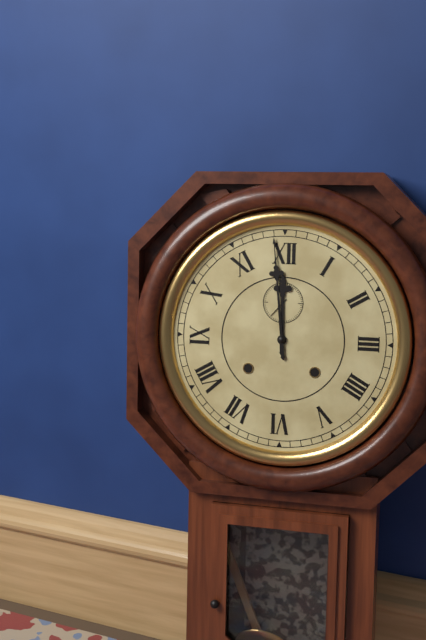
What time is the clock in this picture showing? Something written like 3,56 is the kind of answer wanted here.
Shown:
11,59
